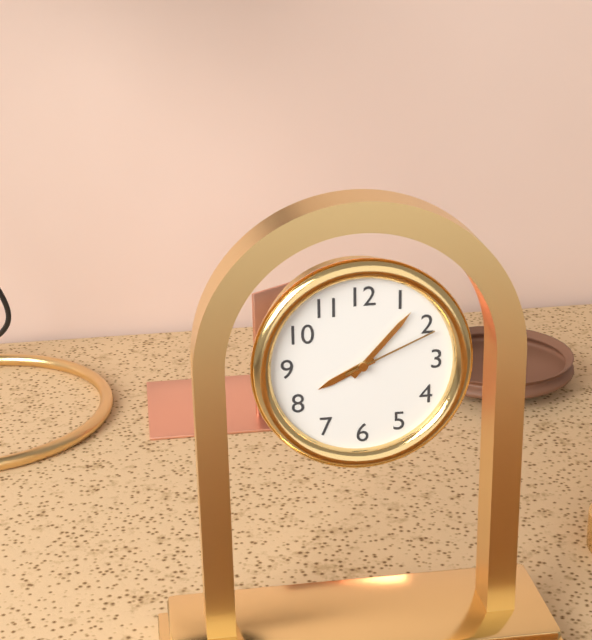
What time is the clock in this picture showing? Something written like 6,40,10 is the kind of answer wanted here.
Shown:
8,07,11
